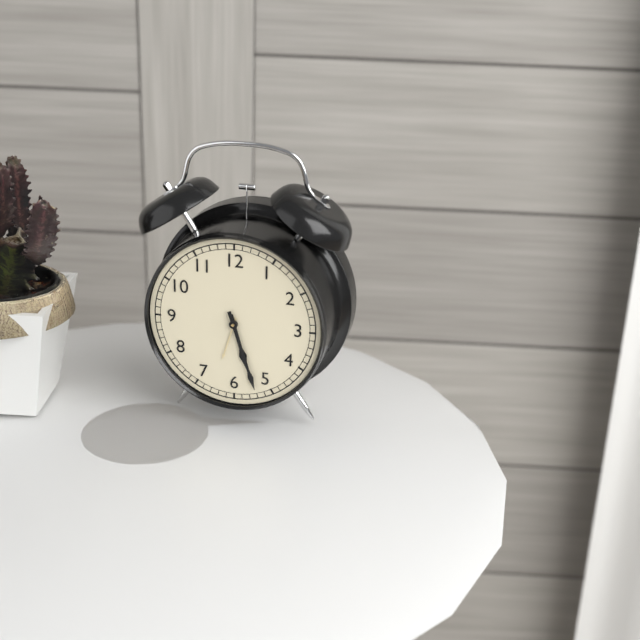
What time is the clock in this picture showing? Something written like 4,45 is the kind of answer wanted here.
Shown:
5,27
